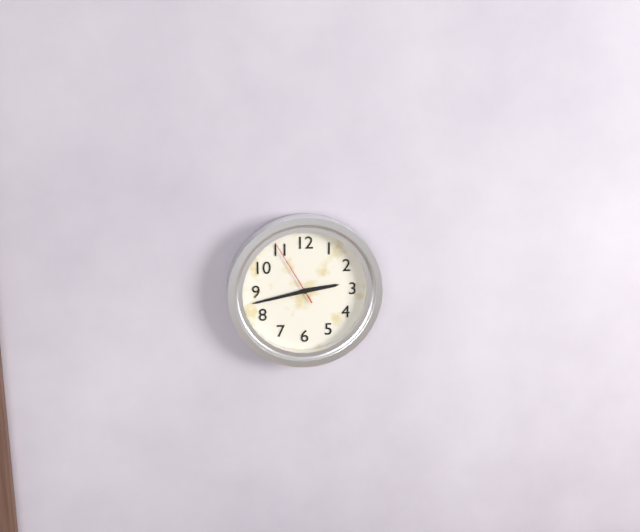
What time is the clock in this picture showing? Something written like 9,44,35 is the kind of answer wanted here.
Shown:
2,43,55
